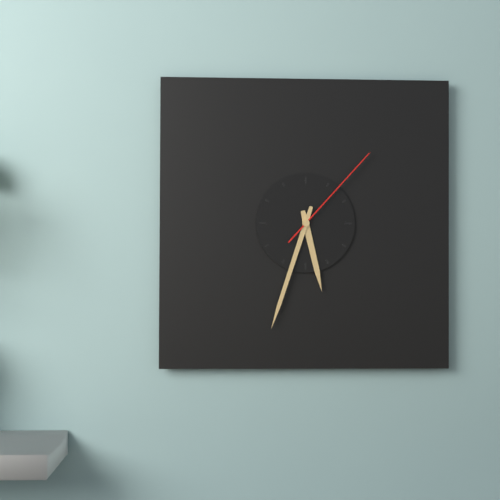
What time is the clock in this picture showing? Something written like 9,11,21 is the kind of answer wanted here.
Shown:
5,33,07
